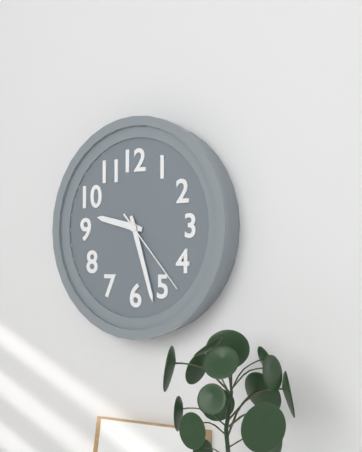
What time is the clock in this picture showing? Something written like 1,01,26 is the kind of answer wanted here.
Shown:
9,27,23
